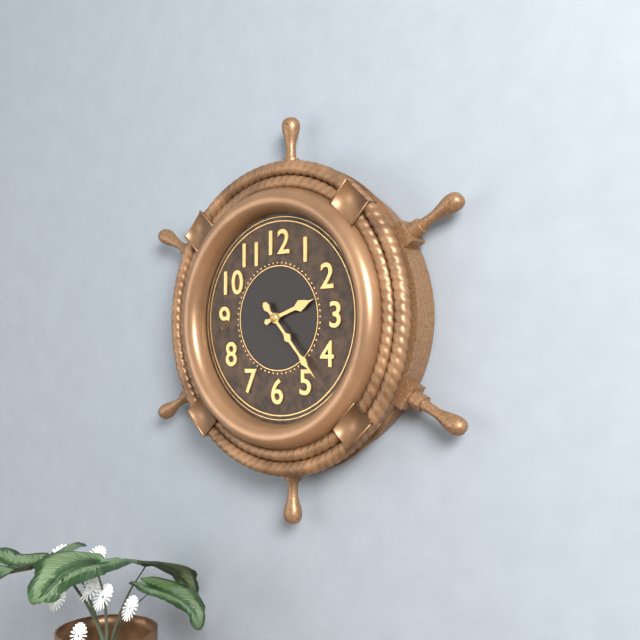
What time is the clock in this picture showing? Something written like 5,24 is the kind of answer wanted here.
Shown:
2,23
